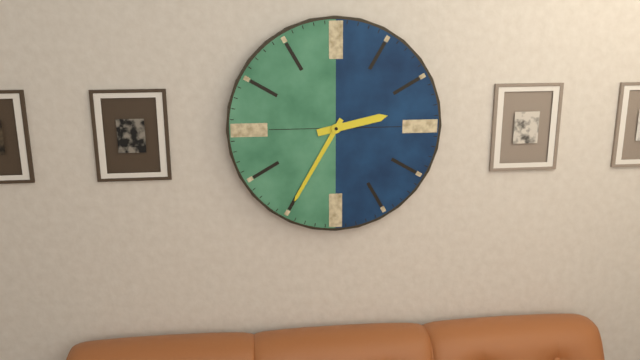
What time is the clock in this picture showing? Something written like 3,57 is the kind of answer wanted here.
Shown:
2,35
